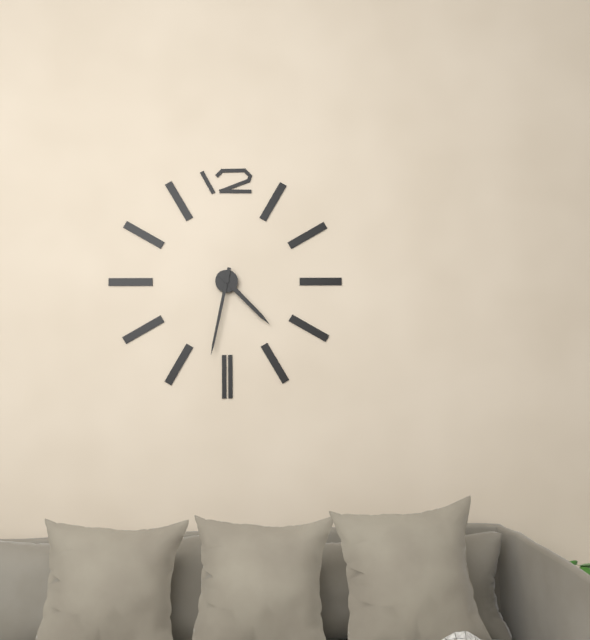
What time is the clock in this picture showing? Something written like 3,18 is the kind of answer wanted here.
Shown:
4,32
